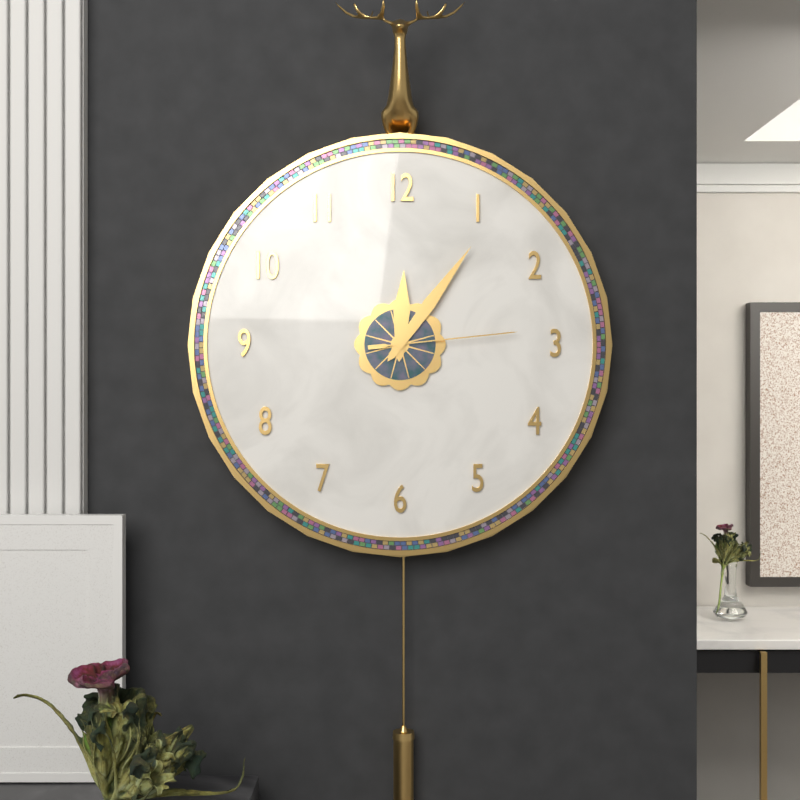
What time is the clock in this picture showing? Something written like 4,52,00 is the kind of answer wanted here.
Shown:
12,06,14
